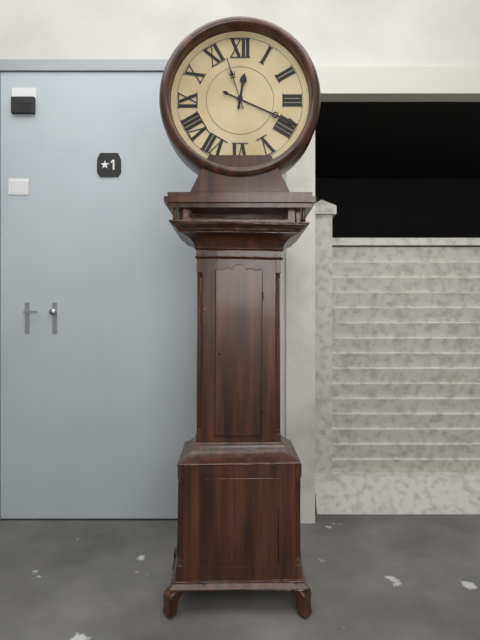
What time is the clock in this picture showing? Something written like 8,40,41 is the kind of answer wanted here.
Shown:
12,19,57
